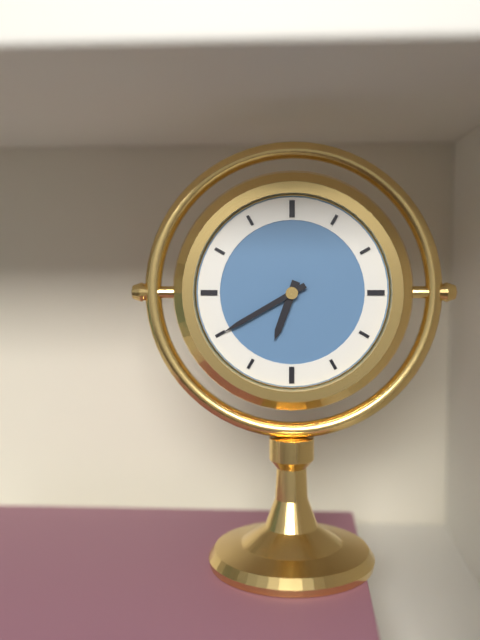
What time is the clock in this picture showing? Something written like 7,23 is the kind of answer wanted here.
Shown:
6,40
